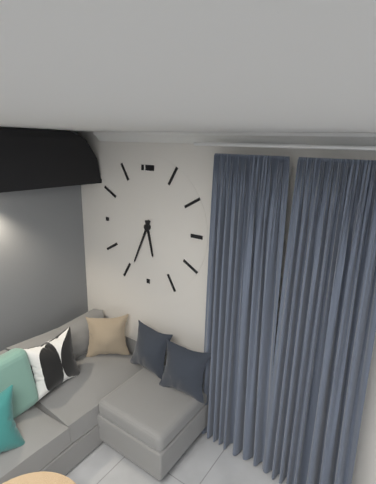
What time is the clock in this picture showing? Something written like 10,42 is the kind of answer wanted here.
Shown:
5,34
